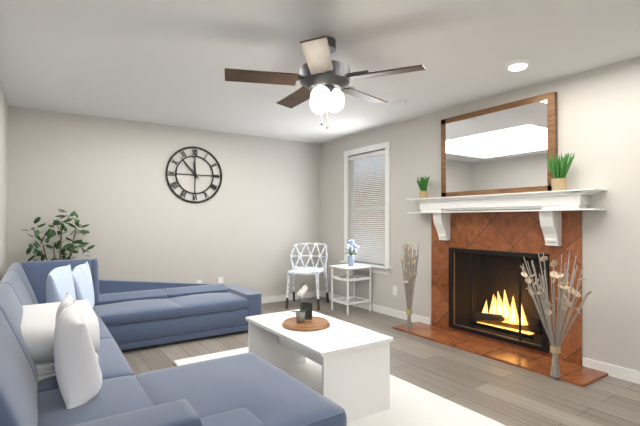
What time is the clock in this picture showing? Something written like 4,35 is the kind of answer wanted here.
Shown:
11,53
